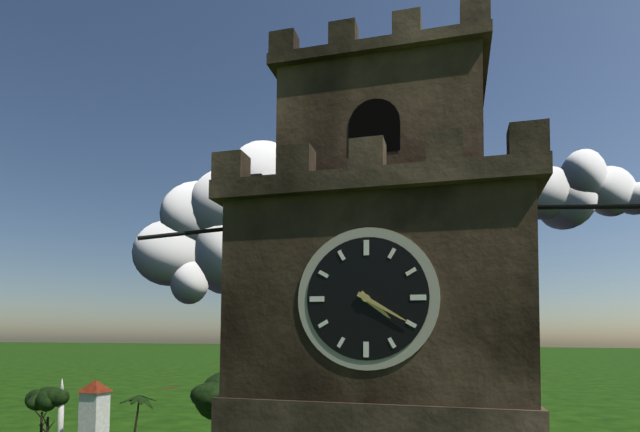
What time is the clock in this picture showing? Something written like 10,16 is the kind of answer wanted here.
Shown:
4,20
